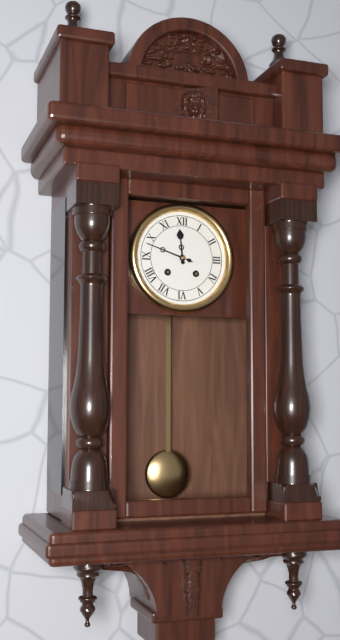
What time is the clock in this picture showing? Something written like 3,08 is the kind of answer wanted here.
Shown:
11,48
